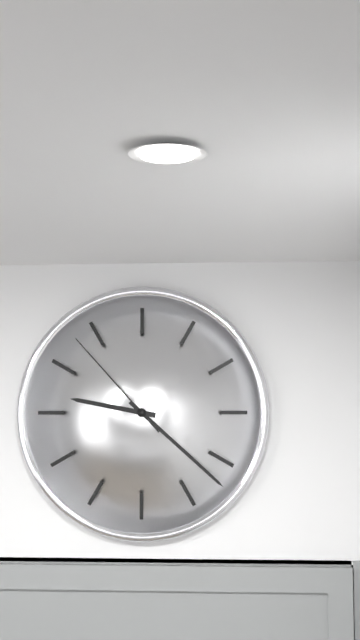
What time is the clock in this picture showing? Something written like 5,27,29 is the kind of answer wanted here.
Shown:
9,22,53
